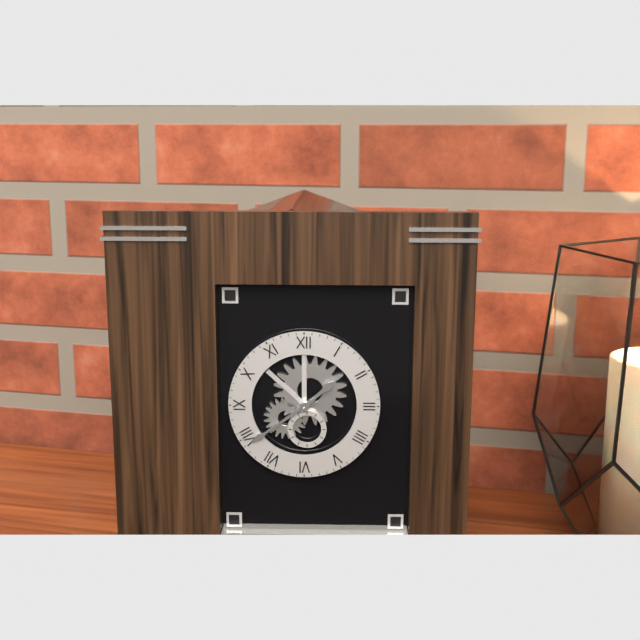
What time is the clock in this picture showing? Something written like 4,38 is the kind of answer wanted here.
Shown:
1,39
